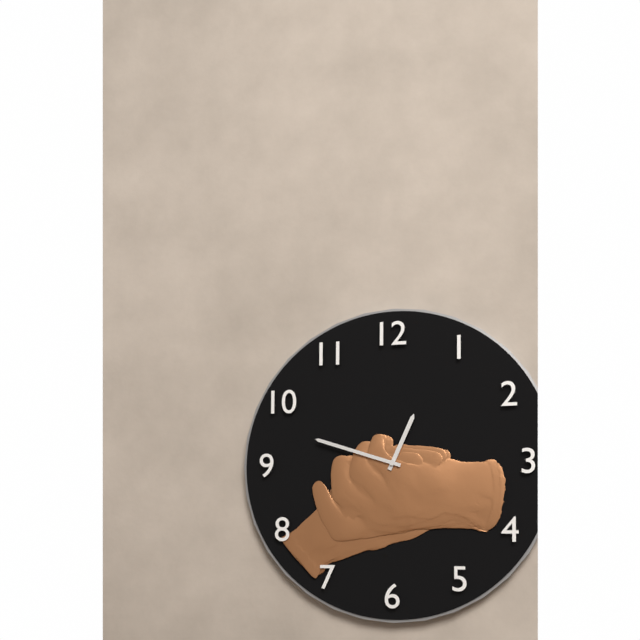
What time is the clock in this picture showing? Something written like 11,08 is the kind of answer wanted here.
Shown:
12,48
